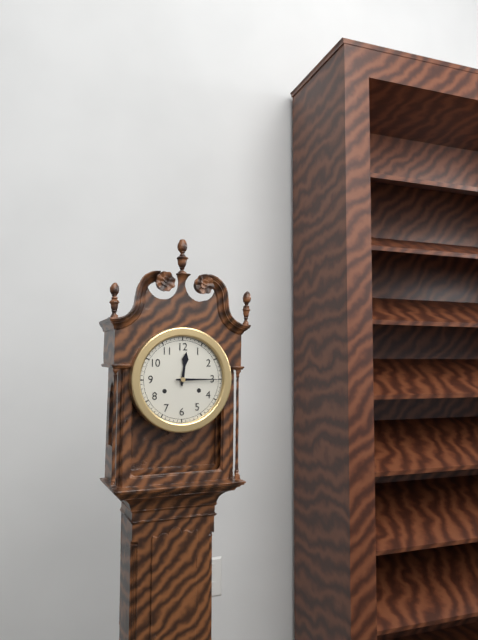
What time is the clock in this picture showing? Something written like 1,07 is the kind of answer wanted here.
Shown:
12,15
